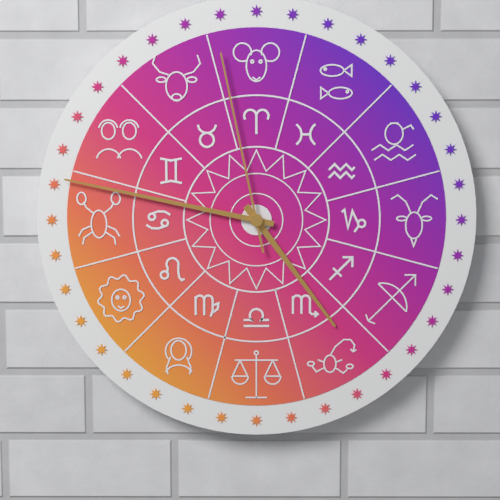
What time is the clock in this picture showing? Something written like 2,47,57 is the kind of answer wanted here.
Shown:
4,47,58
